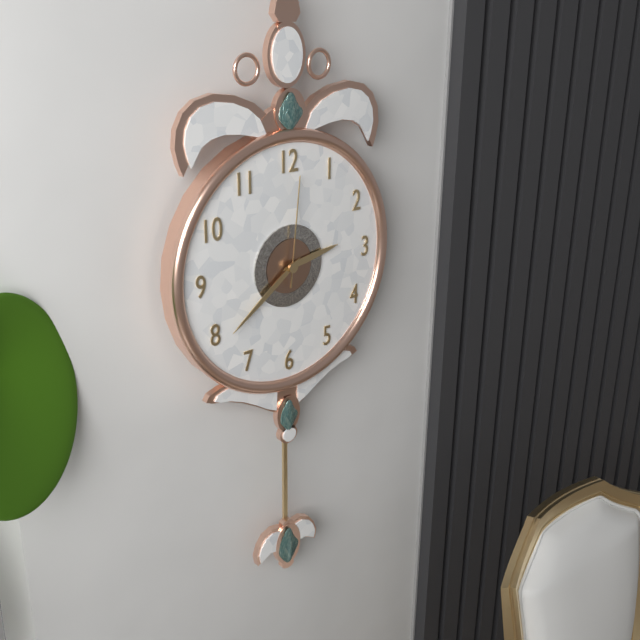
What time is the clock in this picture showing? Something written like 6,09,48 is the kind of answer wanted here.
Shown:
2,39,01
